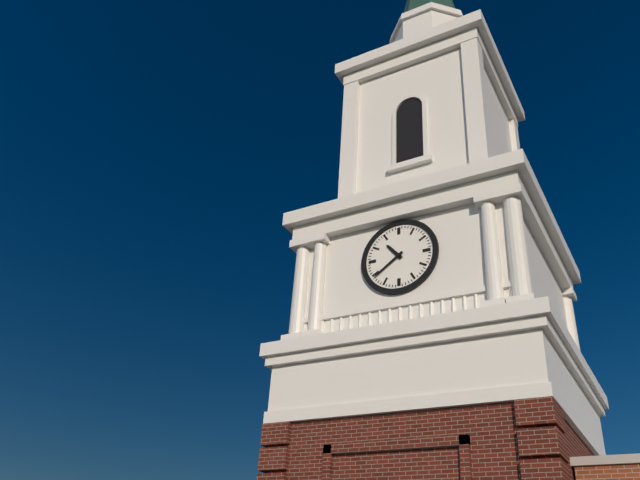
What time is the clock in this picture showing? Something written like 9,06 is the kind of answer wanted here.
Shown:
10,39
